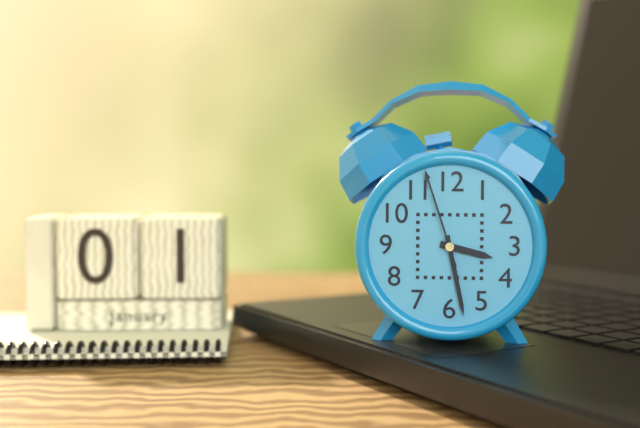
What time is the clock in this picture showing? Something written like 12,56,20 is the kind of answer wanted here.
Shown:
3,28,57
